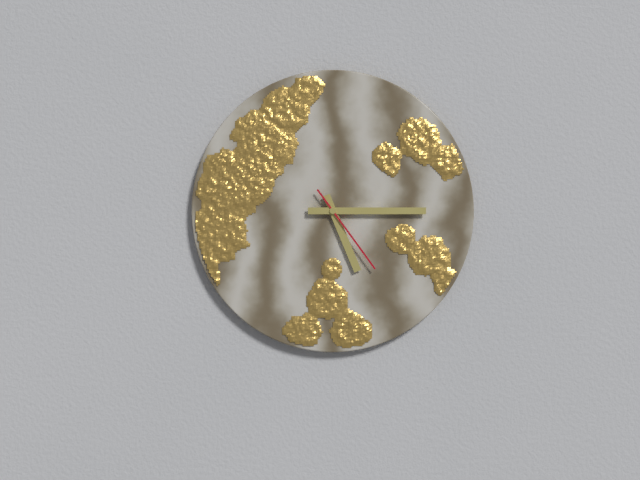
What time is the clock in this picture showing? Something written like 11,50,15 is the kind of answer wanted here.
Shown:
5,15,24
